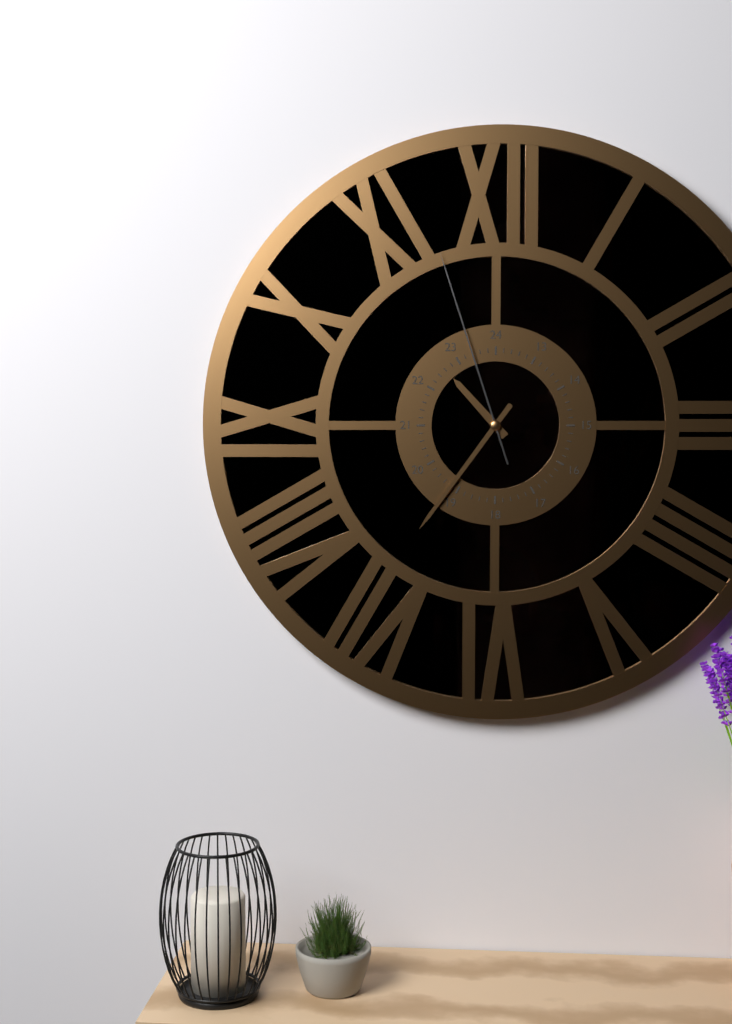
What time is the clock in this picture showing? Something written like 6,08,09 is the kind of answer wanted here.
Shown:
10,36,57
